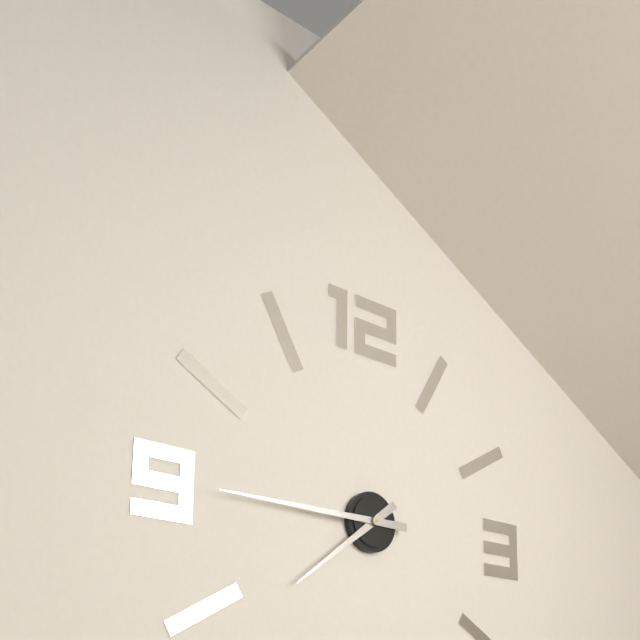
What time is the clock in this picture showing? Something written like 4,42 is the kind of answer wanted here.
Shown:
7,45
